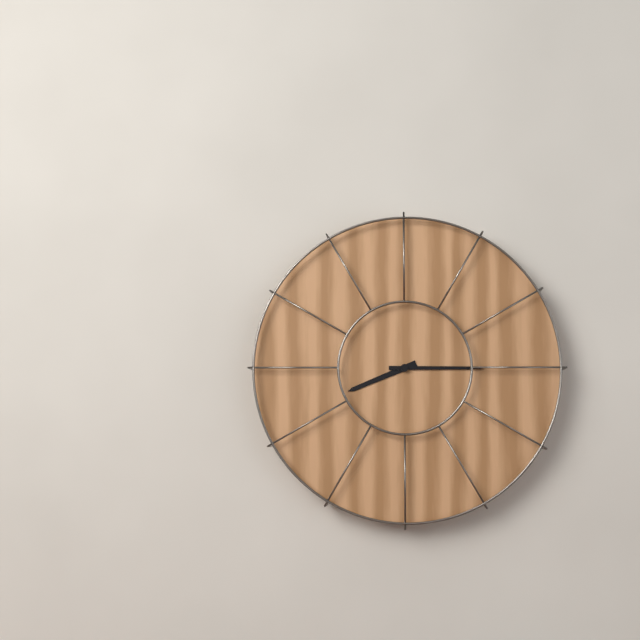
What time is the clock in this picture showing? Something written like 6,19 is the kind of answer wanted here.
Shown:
8,15
